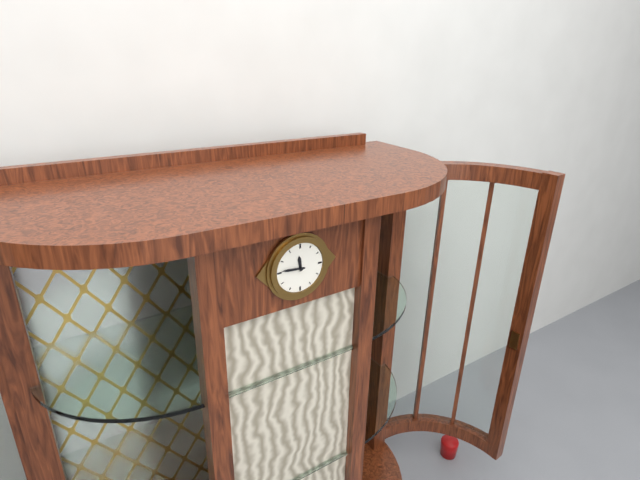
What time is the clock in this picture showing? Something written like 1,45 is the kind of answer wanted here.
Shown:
11,46
